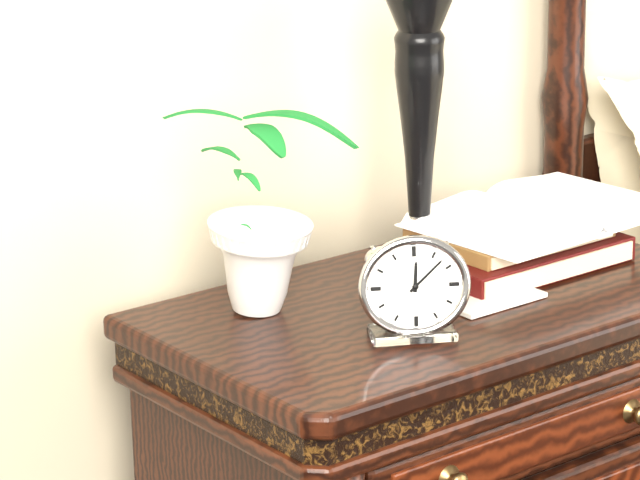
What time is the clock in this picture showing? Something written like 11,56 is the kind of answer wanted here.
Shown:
12,08
